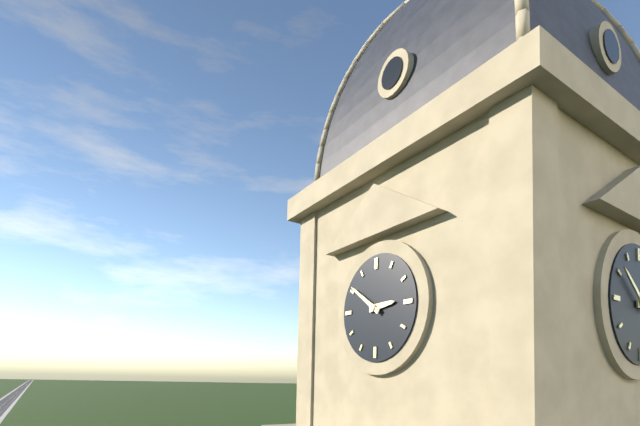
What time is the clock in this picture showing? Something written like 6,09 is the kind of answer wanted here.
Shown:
2,51
